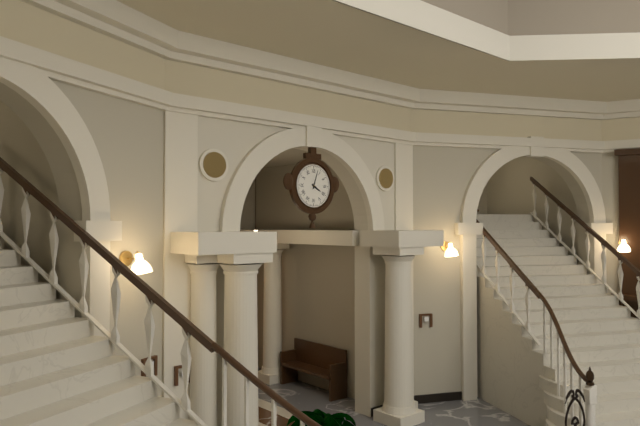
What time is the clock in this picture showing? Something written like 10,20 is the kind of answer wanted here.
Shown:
4,03
